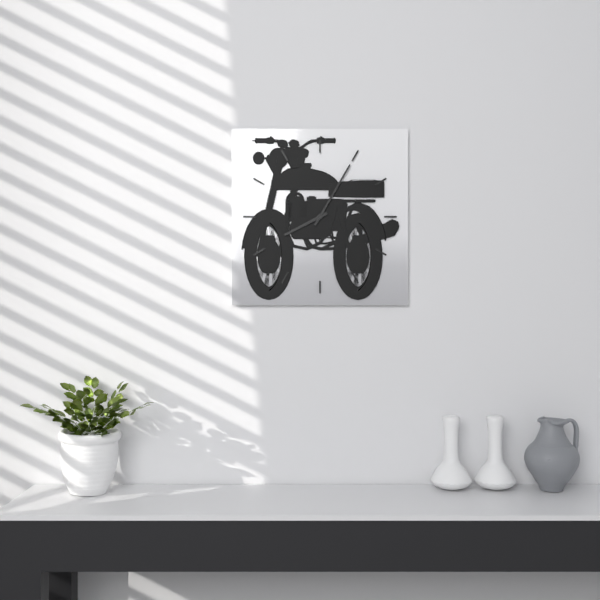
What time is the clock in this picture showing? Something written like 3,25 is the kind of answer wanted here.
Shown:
8,05
